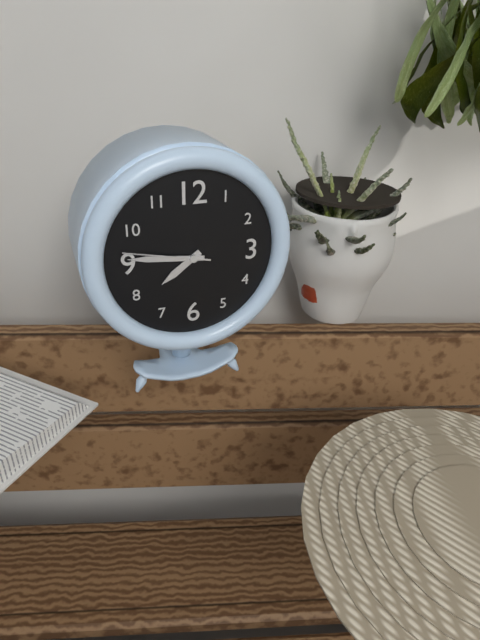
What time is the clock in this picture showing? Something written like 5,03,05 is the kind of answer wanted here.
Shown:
7,46,47
